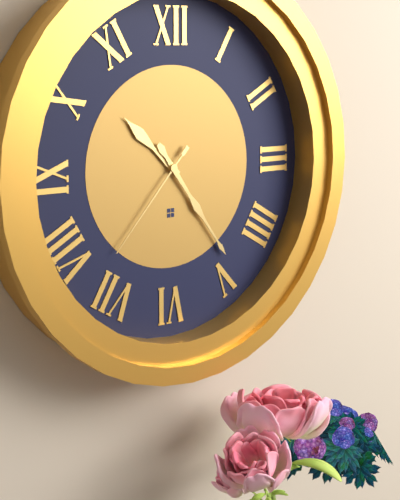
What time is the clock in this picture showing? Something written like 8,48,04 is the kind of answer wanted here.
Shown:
10,24,37
